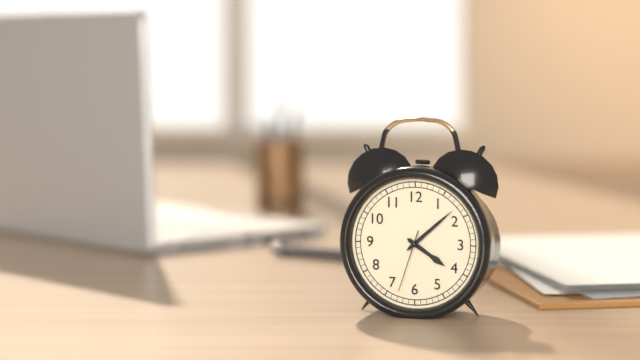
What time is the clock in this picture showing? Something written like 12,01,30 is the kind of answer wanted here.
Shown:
4,08,33
